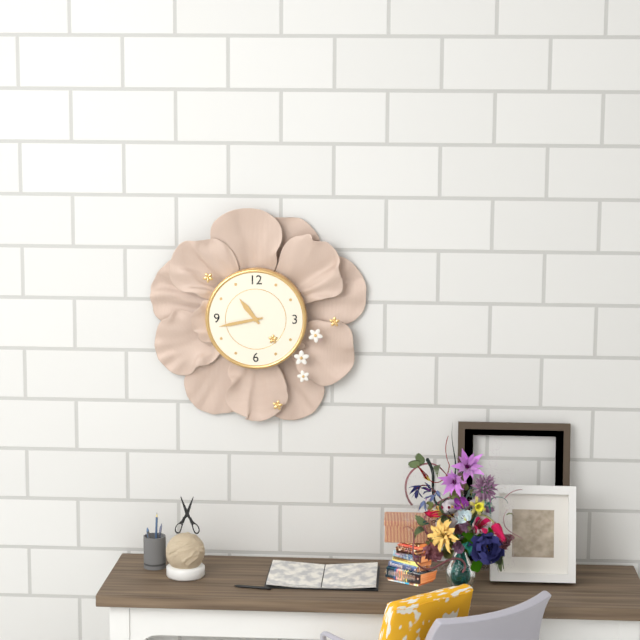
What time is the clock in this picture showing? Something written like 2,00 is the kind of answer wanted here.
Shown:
10,43
